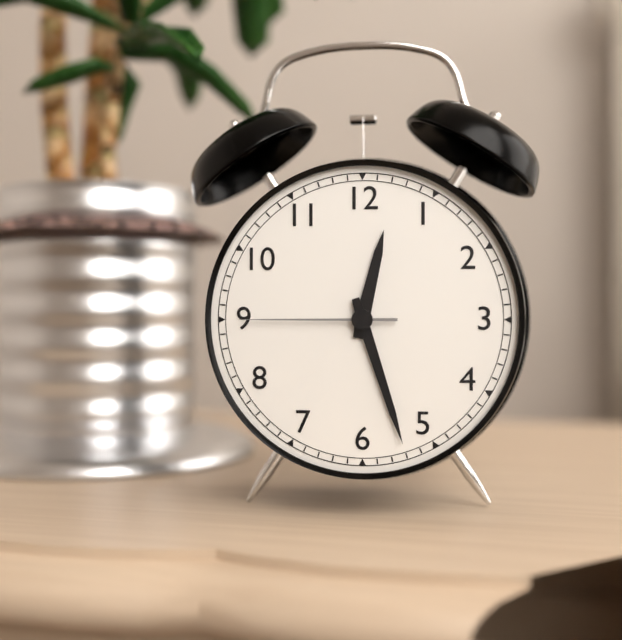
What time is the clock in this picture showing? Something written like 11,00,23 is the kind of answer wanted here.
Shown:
12,27,45
